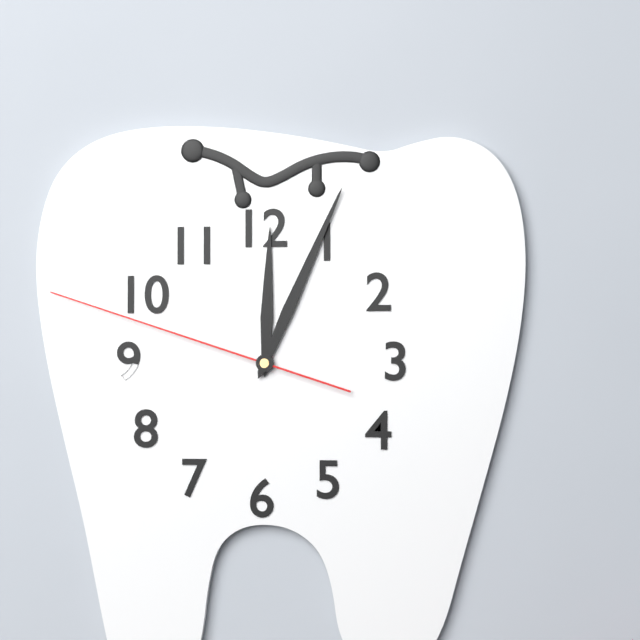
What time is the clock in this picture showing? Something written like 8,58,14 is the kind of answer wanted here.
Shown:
12,04,48
